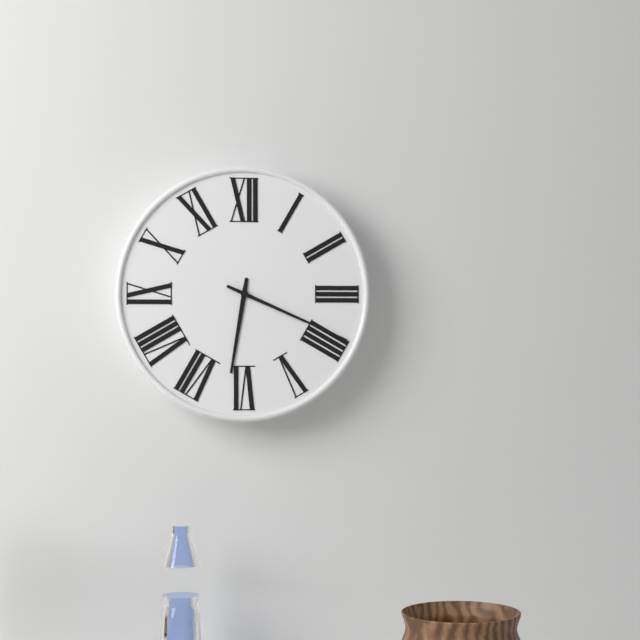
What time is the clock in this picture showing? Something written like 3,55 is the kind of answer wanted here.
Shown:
6,19
